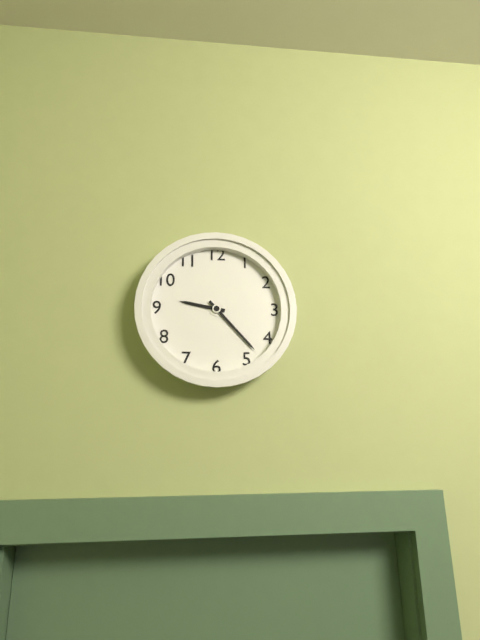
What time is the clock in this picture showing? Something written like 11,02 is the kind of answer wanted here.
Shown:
9,23
